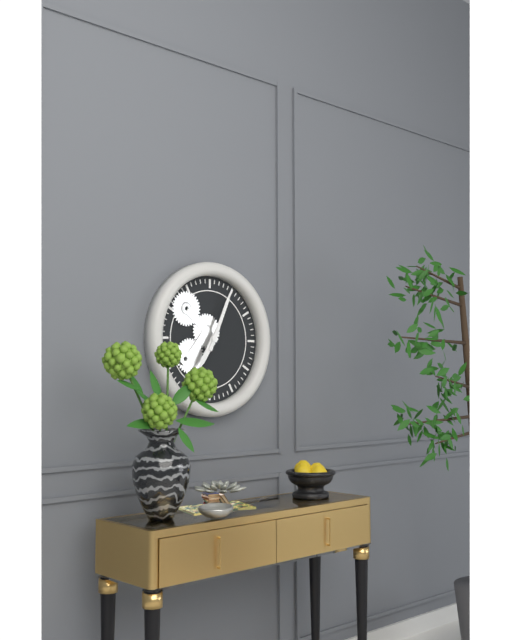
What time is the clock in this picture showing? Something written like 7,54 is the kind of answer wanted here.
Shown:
7,04
